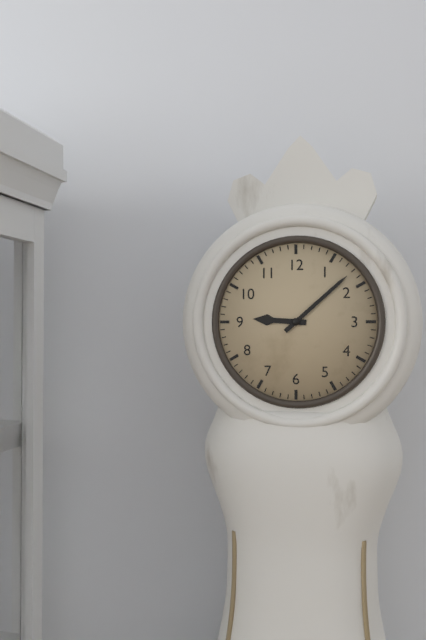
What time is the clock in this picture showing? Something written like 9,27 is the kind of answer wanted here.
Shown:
9,08
